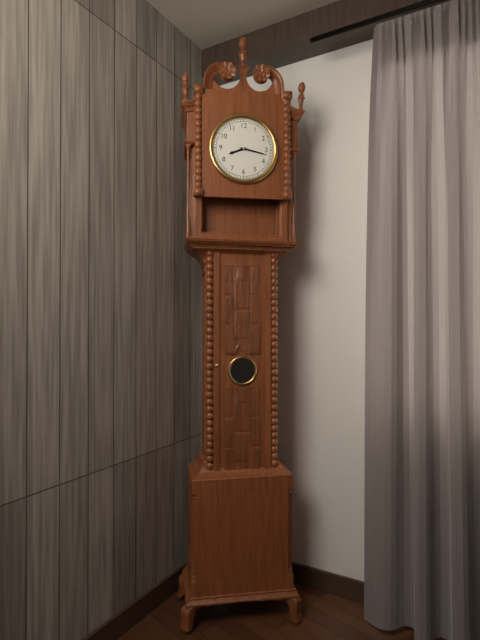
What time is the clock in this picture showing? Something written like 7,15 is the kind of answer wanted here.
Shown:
8,17
